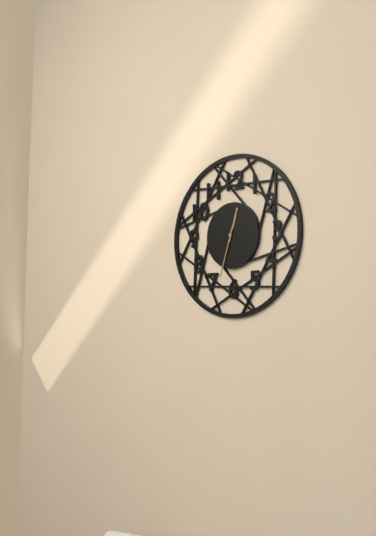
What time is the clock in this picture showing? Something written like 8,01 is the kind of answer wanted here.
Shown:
12,33
